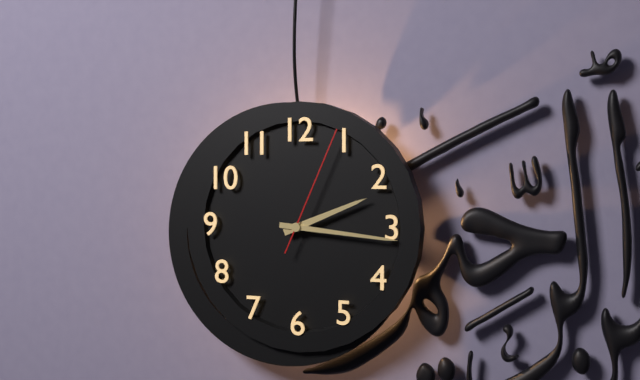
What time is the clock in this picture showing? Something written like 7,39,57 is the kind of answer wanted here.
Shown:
2,16,04
